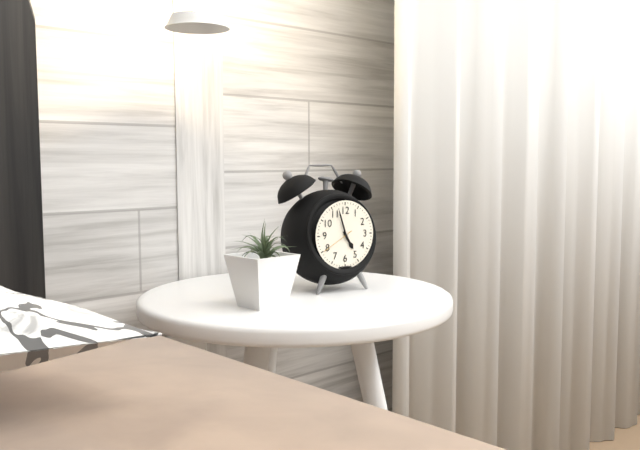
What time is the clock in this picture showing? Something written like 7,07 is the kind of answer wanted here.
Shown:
4,57
